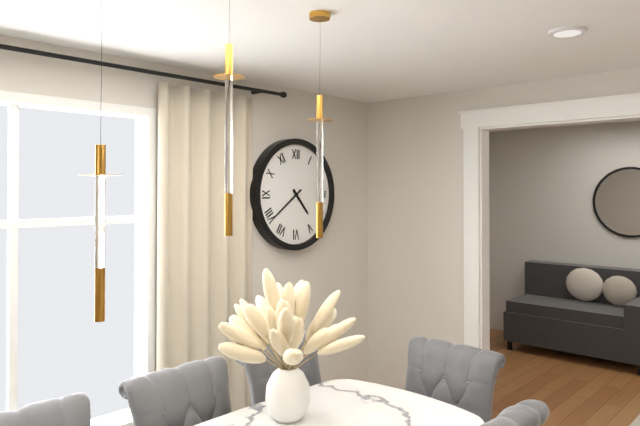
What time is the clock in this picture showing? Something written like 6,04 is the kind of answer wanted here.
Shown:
4,39
